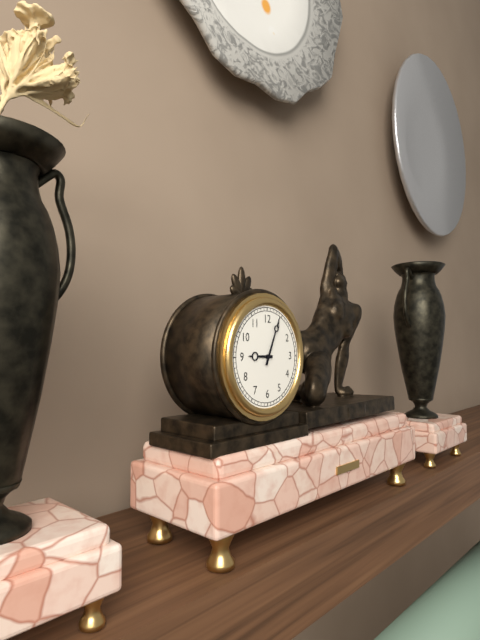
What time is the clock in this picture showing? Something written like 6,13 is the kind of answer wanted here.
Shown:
9,04
